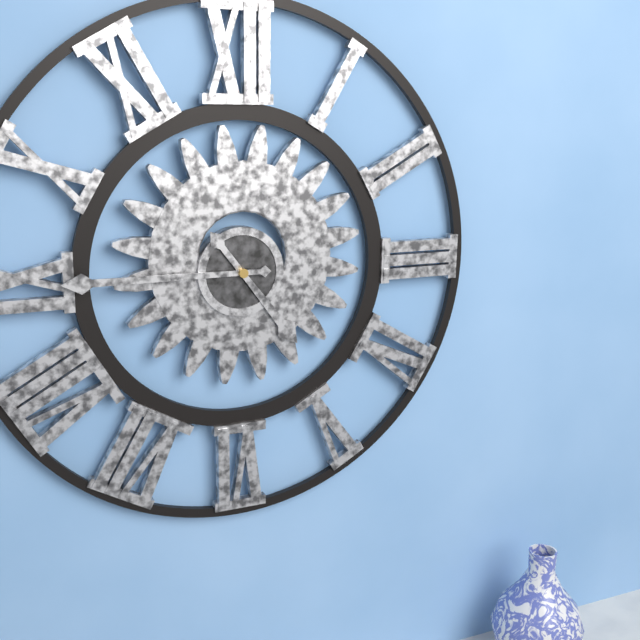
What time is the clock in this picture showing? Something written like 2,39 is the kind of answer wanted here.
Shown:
4,45
